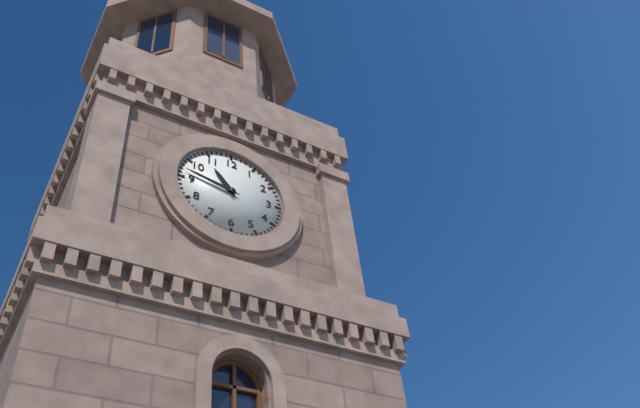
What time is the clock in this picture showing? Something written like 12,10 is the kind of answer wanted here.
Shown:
10,47
